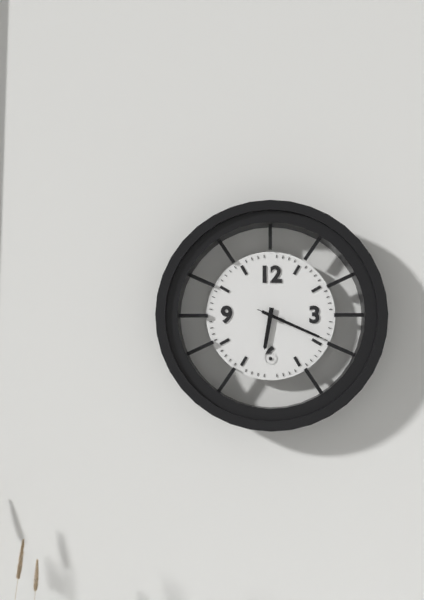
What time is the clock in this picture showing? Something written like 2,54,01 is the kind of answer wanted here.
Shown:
6,19,19
